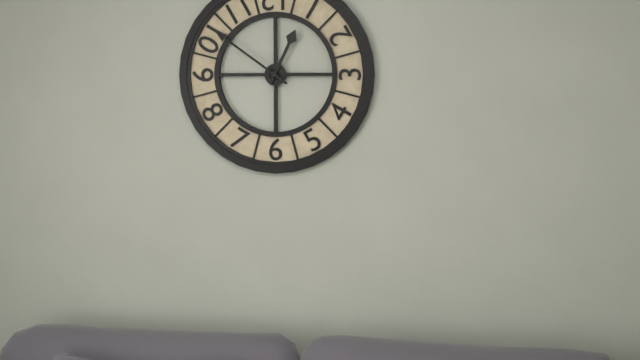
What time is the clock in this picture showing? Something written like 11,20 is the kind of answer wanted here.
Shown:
12,51
